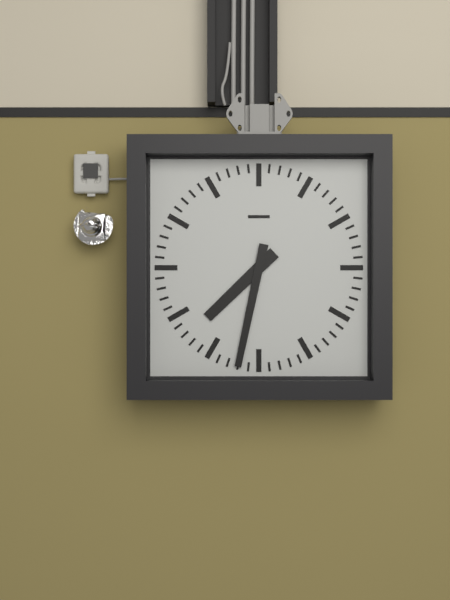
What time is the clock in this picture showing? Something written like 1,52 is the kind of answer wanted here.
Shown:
7,32
